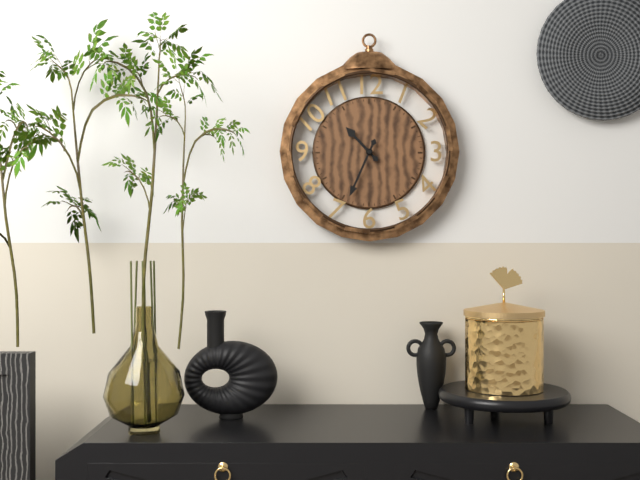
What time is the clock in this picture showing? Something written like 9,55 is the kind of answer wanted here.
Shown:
10,34
